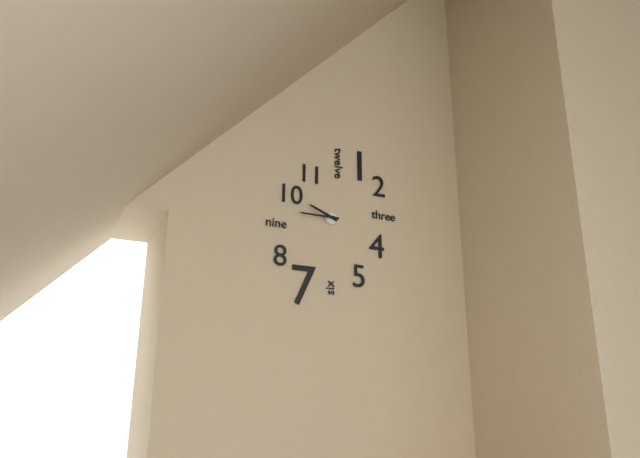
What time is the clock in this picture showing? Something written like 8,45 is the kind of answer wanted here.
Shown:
9,45
